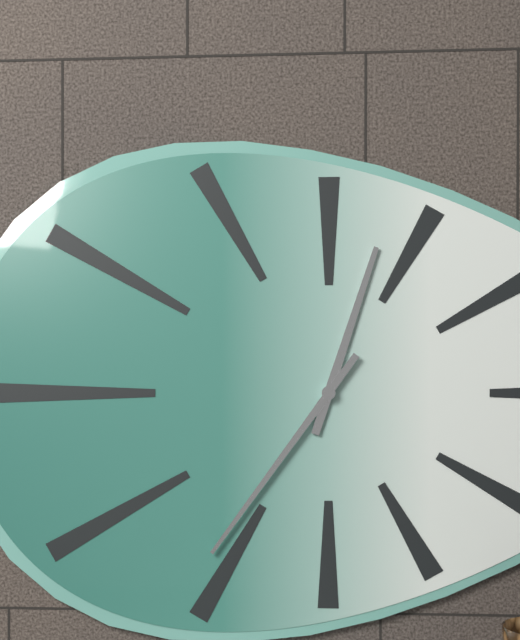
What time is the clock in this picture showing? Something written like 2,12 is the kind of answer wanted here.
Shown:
12,36
